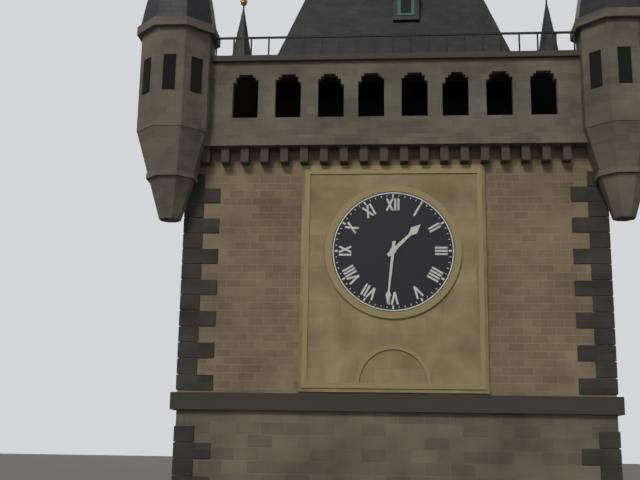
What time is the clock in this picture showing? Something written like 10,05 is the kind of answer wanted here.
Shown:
1,31
